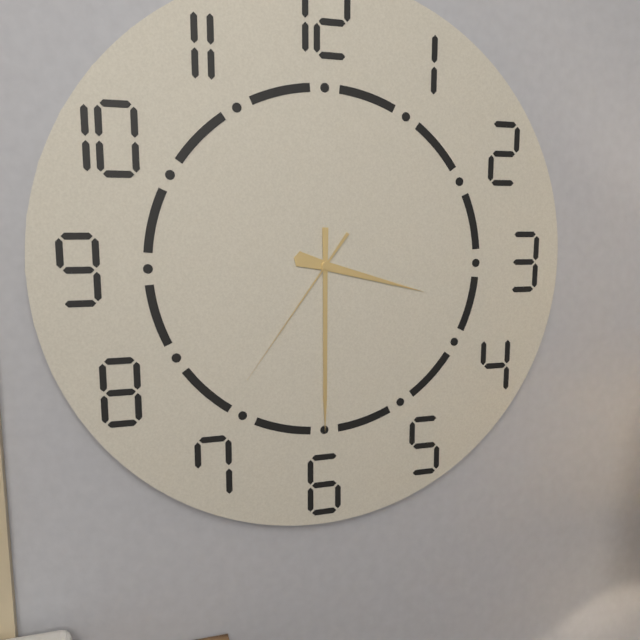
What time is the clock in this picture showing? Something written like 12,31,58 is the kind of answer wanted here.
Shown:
3,30,36
